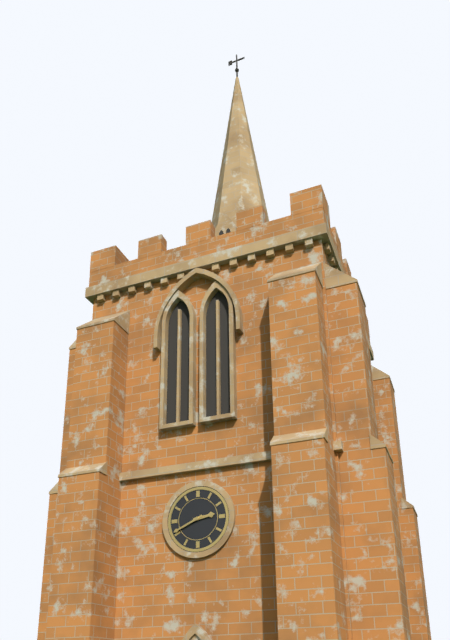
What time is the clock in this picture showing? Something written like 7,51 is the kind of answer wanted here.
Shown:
2,41
